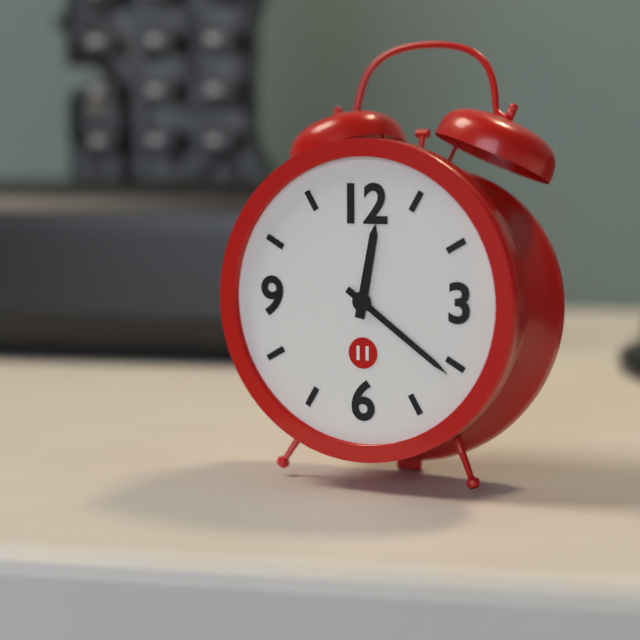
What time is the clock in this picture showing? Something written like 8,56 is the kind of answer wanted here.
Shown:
12,21
